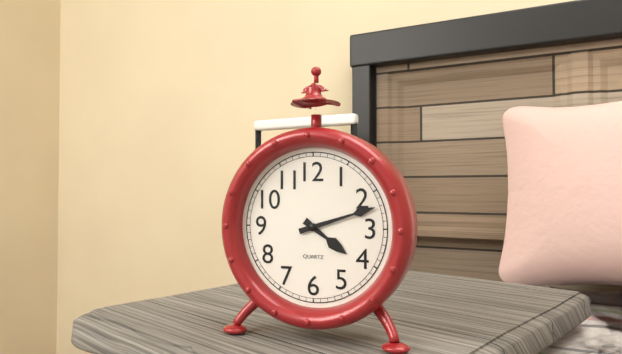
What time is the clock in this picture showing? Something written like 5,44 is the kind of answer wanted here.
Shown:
4,12
